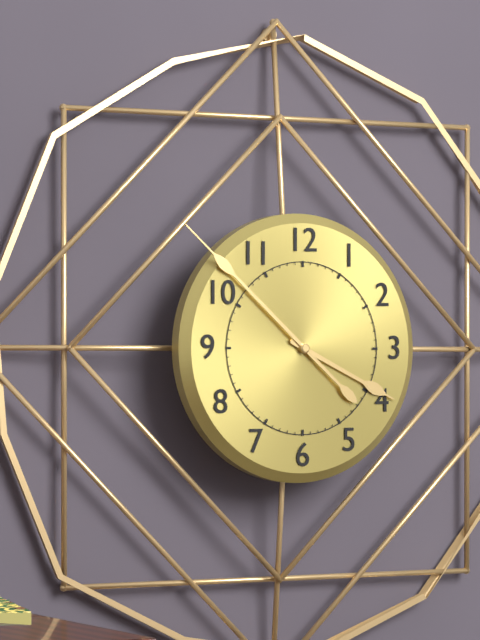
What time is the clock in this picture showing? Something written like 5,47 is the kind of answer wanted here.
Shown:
3,52
